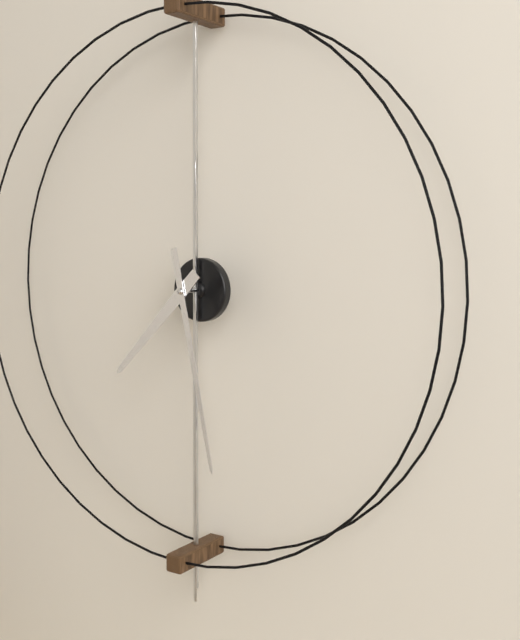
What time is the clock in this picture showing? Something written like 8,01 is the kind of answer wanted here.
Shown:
7,28
